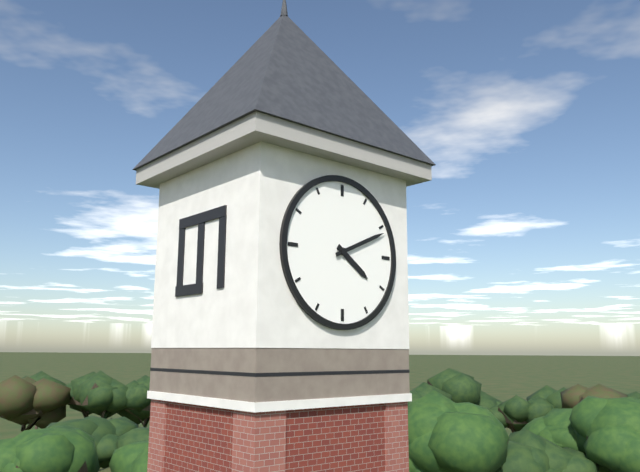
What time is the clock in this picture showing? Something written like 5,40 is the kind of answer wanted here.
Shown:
4,11
